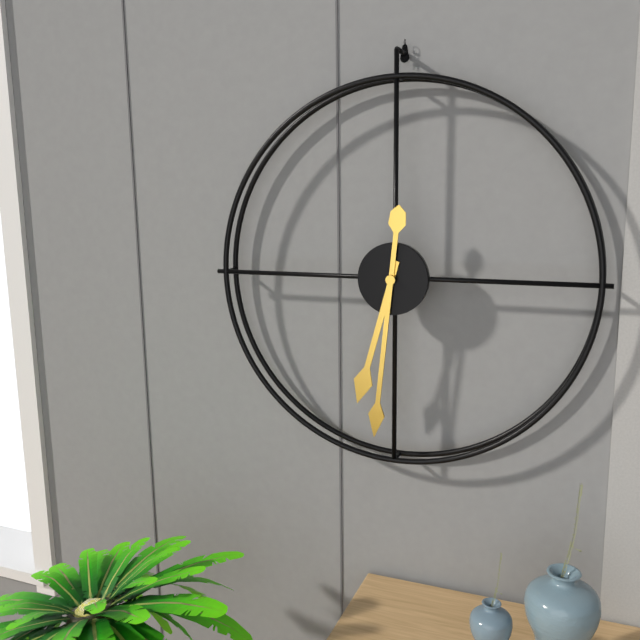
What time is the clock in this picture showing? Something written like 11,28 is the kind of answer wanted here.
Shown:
6,31
